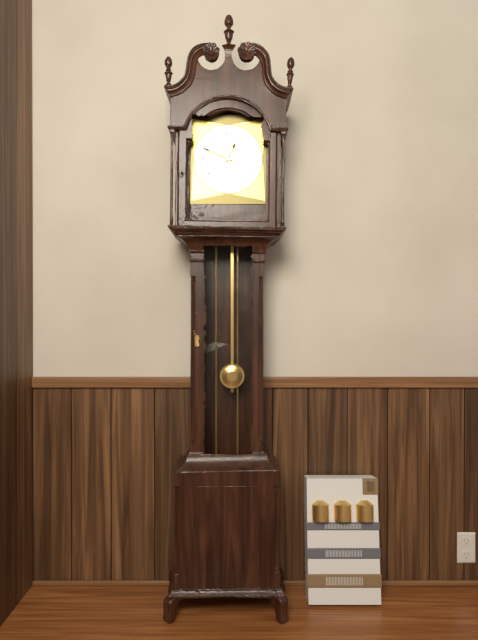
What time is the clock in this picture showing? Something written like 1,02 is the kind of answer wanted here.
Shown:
12,49
